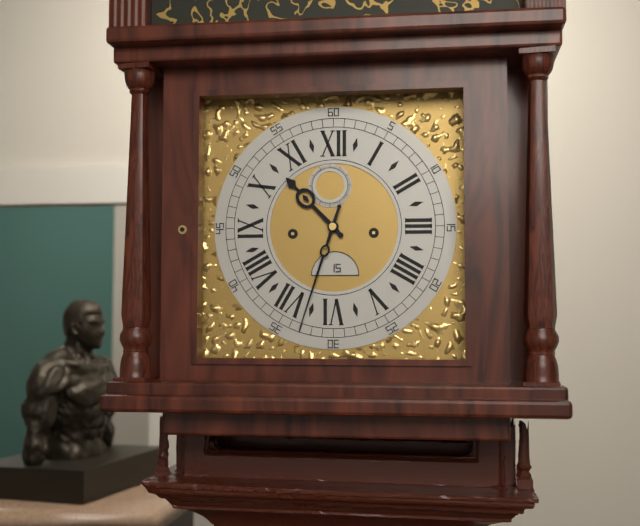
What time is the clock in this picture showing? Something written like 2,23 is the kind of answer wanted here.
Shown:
10,33
